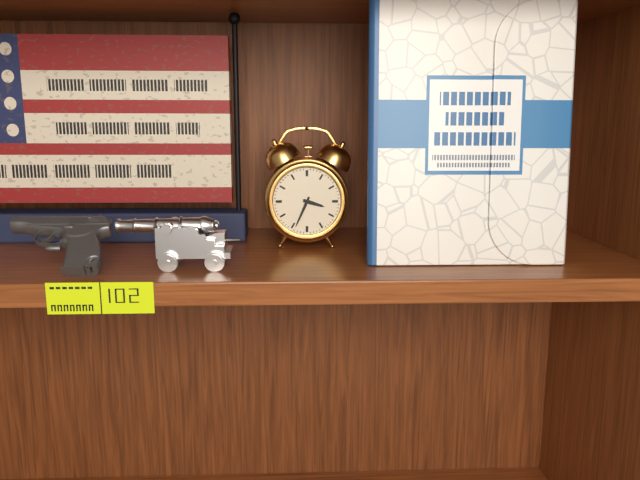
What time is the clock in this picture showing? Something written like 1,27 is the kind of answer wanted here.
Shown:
3,34
